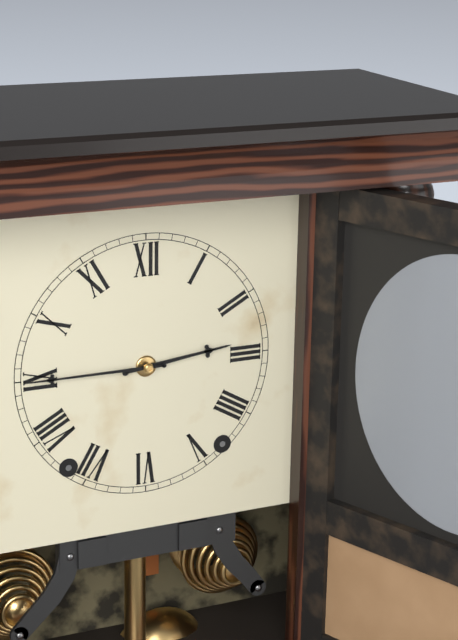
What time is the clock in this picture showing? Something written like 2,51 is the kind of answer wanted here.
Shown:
2,45
